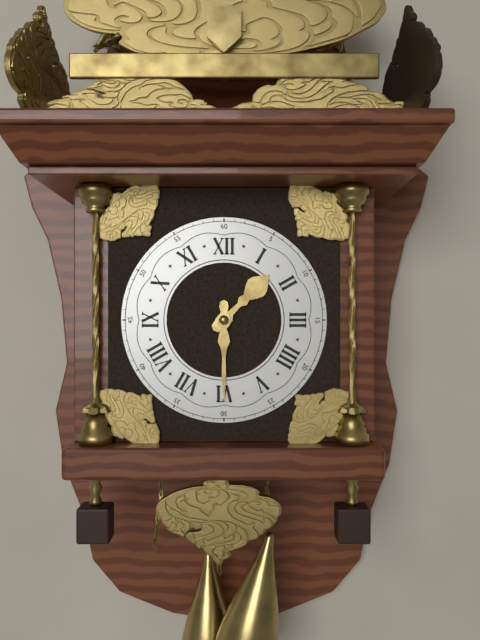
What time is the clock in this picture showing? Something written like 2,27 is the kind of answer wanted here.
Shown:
1,30
